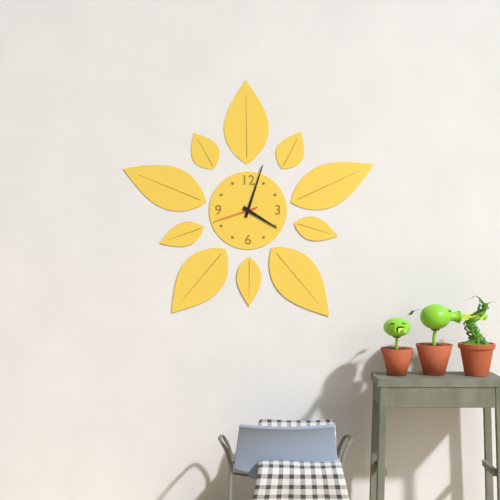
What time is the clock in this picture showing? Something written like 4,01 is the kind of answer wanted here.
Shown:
4,03
